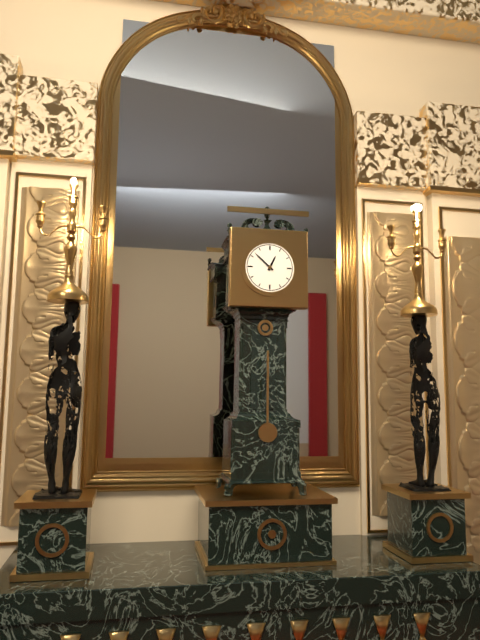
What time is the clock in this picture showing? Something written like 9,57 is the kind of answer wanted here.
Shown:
12,52
